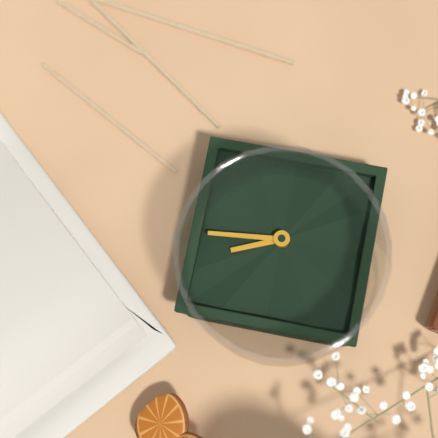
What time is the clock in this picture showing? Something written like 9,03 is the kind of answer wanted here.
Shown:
2,14
